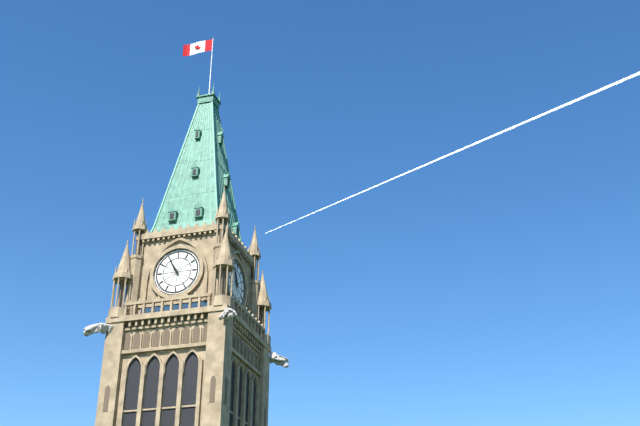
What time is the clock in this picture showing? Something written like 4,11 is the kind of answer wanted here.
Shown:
10,55
